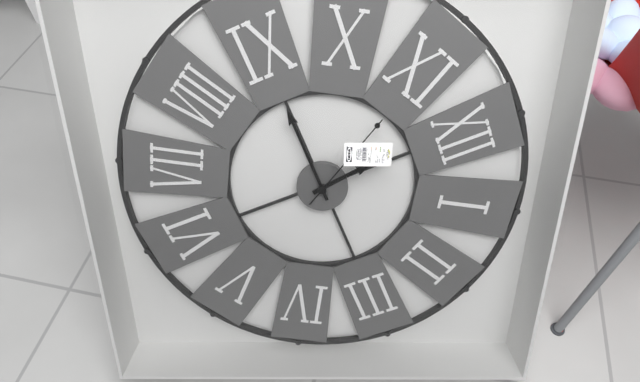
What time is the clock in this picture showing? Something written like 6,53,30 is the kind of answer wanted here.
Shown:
11,45,55
